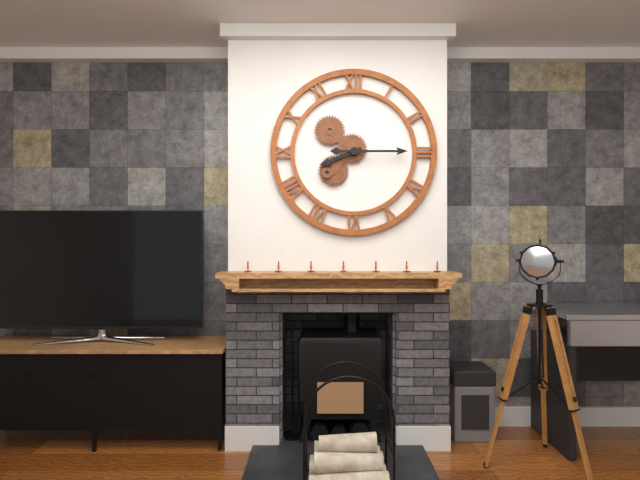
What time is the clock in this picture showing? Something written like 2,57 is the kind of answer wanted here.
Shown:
8,15
